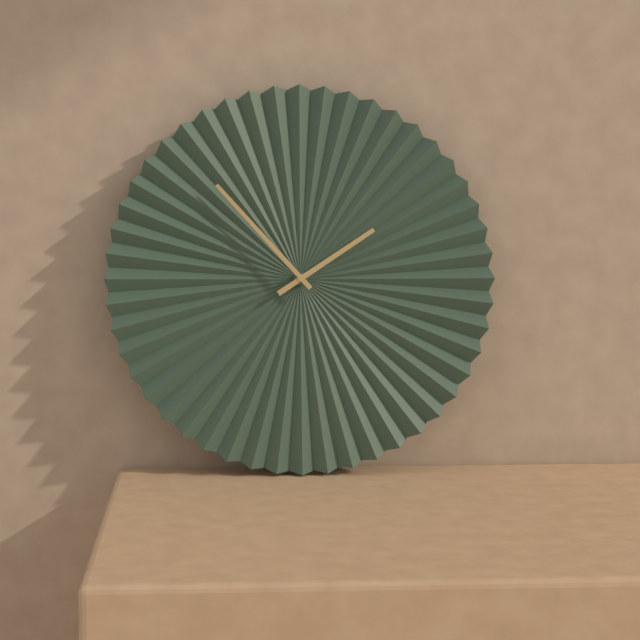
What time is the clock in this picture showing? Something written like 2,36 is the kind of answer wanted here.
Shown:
1,53
